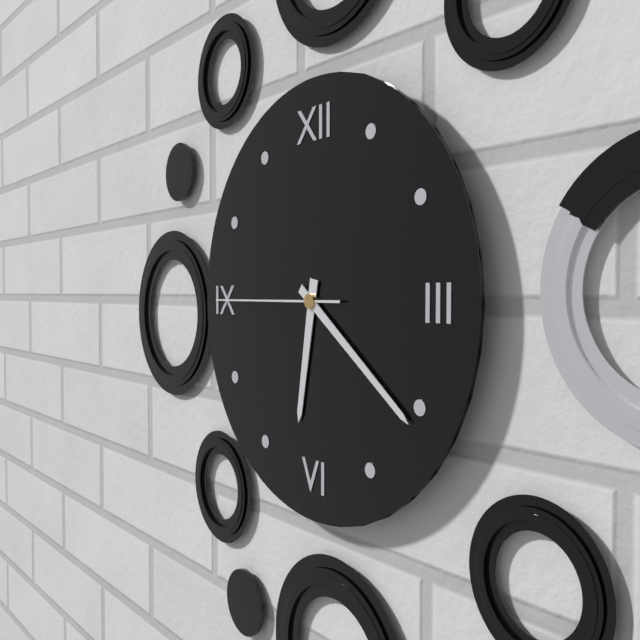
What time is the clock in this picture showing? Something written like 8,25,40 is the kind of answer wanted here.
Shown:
6,21,45
